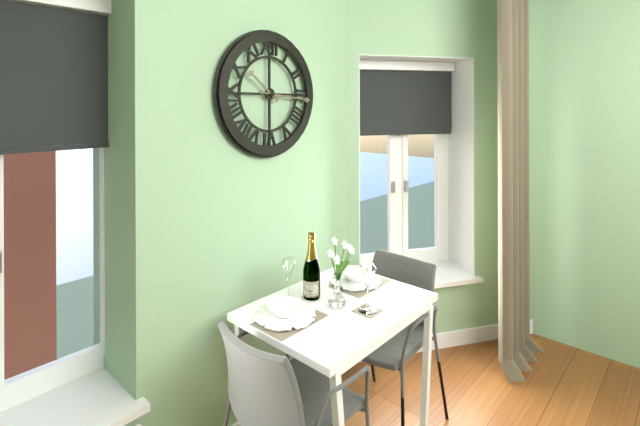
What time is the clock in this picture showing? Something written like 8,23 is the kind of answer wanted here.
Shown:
10,16
